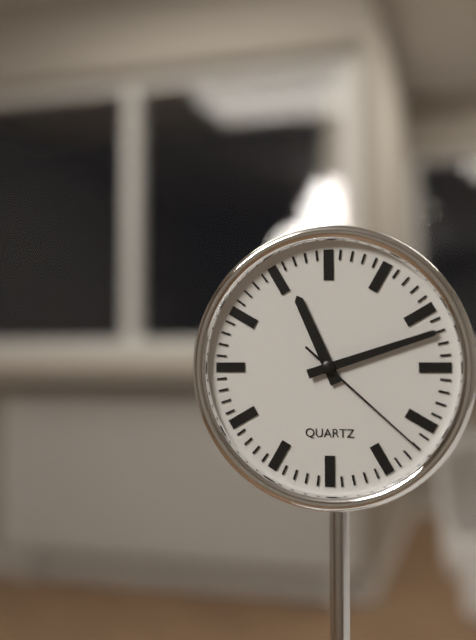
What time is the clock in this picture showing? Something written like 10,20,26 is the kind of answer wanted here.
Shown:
11,12,22
